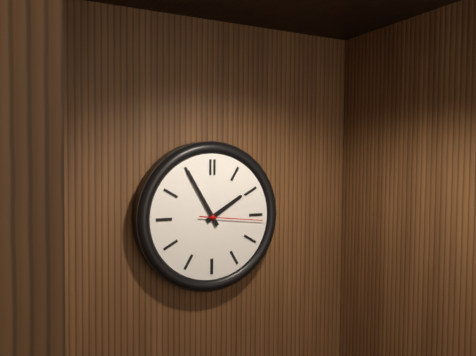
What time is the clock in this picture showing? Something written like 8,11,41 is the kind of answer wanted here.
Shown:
1,55,16
